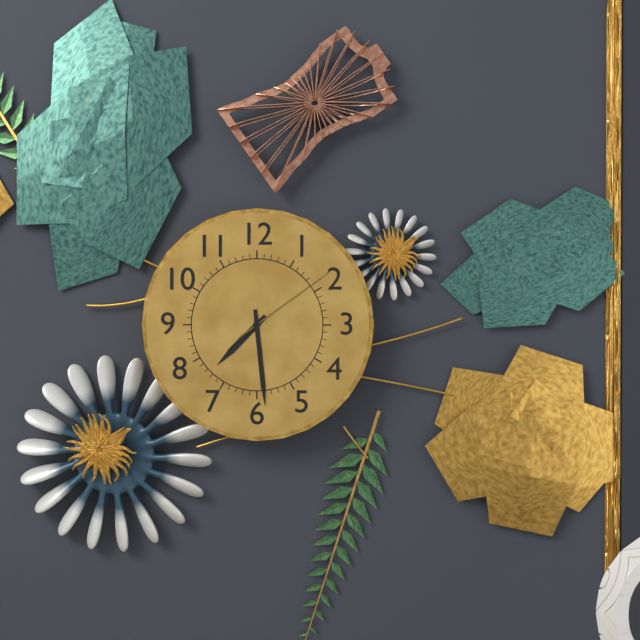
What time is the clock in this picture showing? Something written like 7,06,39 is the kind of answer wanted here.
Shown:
7,29,09
